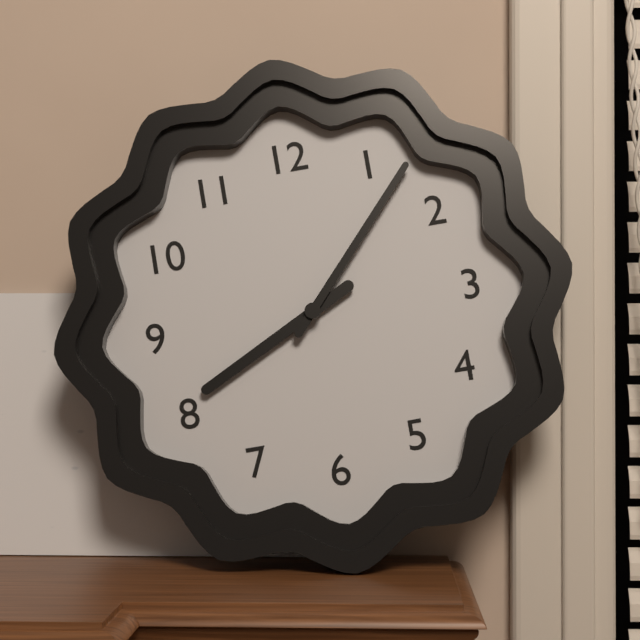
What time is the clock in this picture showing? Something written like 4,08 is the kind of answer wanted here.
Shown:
8,07
